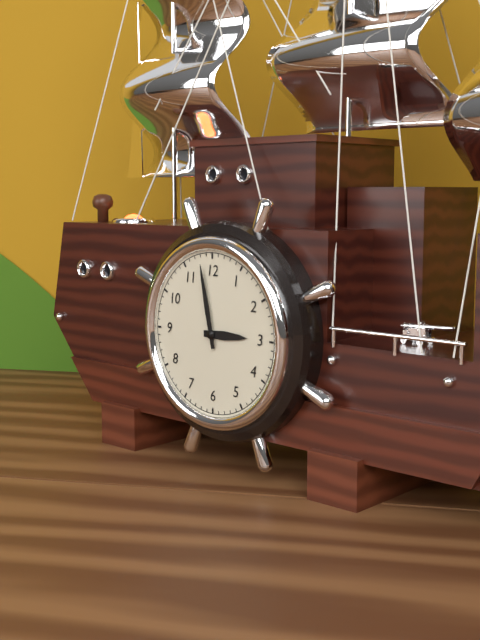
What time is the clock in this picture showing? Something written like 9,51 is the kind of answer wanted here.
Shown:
2,58
